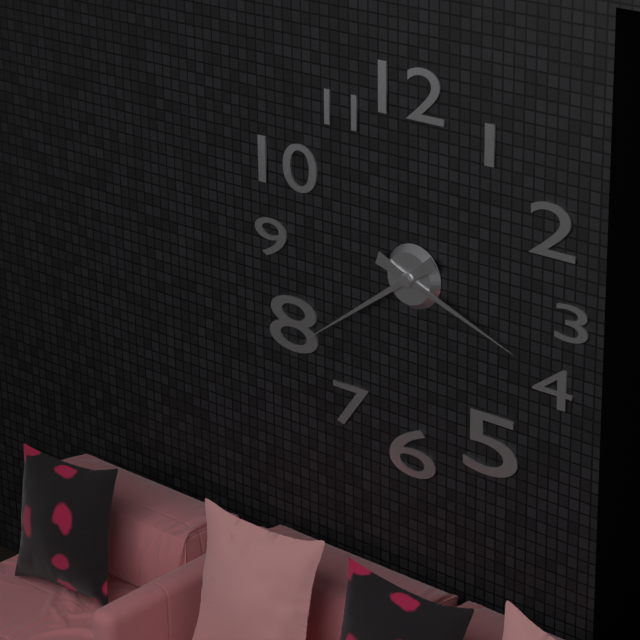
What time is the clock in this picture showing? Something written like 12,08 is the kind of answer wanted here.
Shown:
3,39
